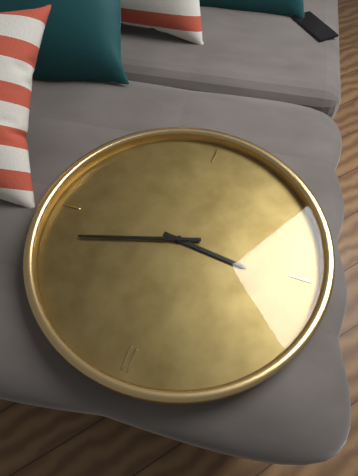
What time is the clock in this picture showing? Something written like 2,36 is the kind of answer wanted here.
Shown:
9,12
